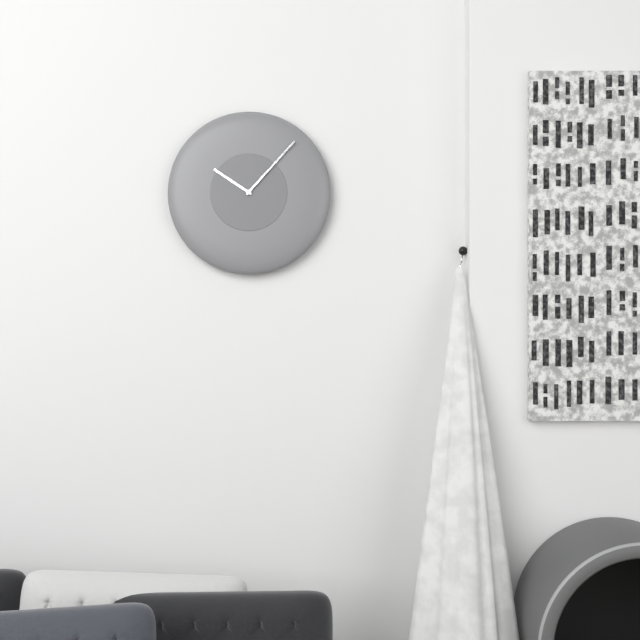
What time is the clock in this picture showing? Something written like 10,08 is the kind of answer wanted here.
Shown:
10,07
